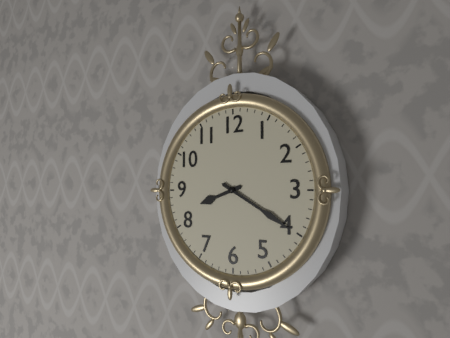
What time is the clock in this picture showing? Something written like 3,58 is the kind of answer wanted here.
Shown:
8,20
